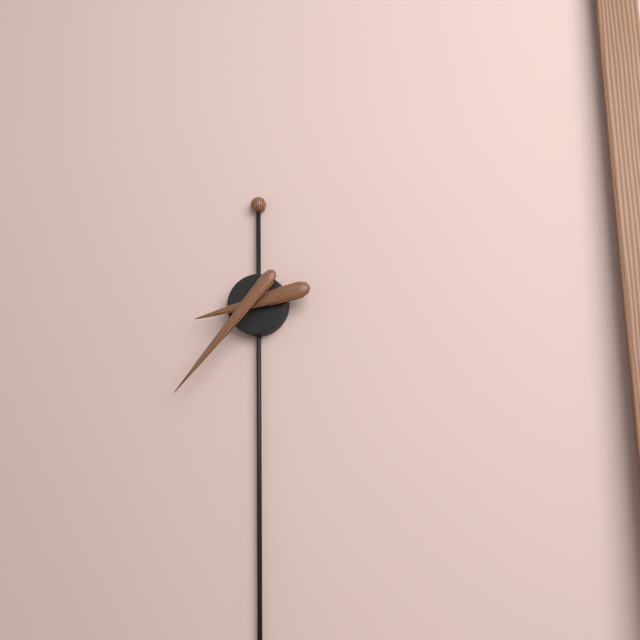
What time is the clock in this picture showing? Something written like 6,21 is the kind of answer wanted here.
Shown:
8,37
